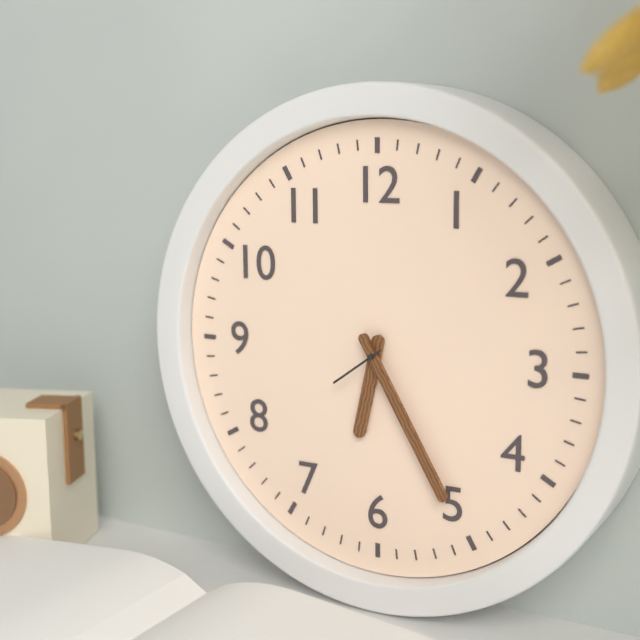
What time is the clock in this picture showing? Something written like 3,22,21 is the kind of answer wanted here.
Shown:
6,25,39
